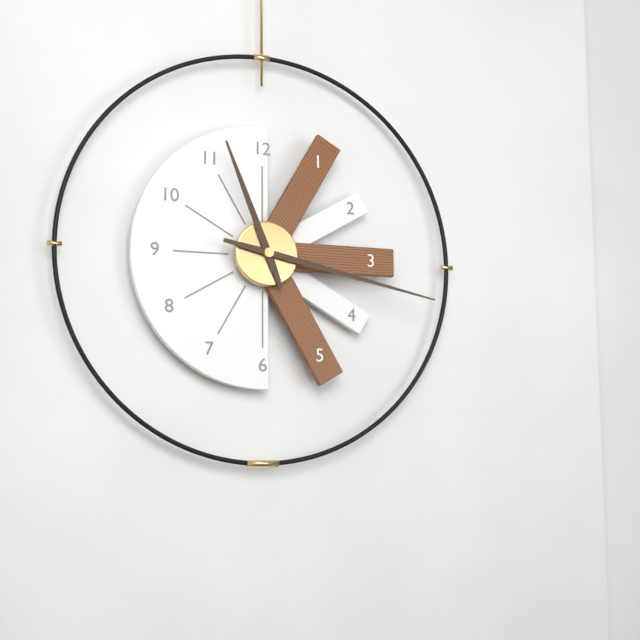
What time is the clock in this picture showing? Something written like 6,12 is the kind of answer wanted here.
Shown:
11,17
